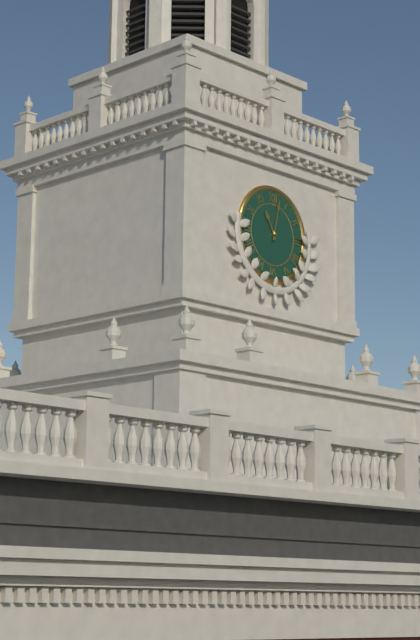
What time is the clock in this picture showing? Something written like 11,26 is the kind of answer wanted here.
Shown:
11,02
